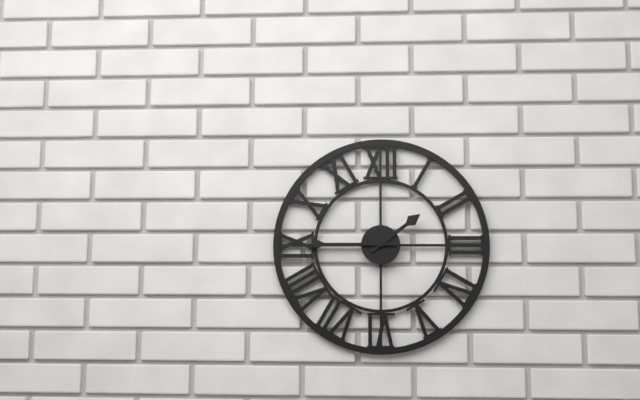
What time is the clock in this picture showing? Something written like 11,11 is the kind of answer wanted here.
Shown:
1,45
